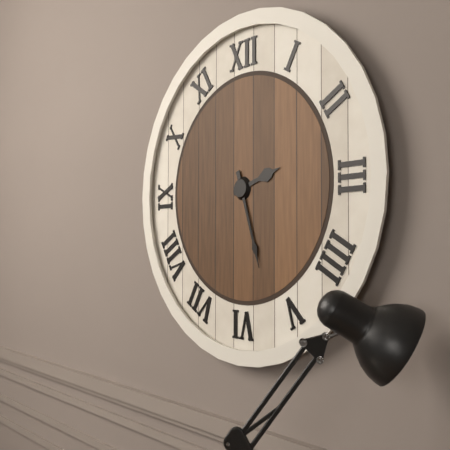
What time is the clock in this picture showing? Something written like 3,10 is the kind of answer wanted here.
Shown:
2,27
